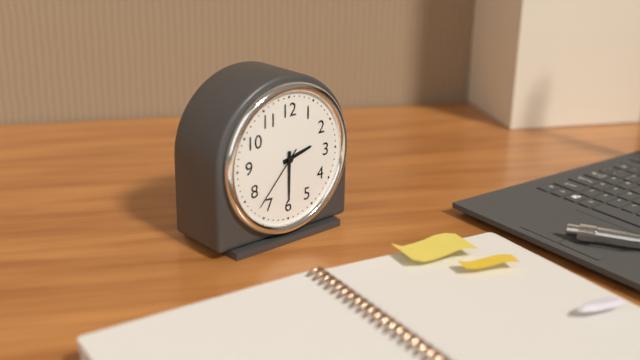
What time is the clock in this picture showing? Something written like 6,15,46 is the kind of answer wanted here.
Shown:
2,30,37
